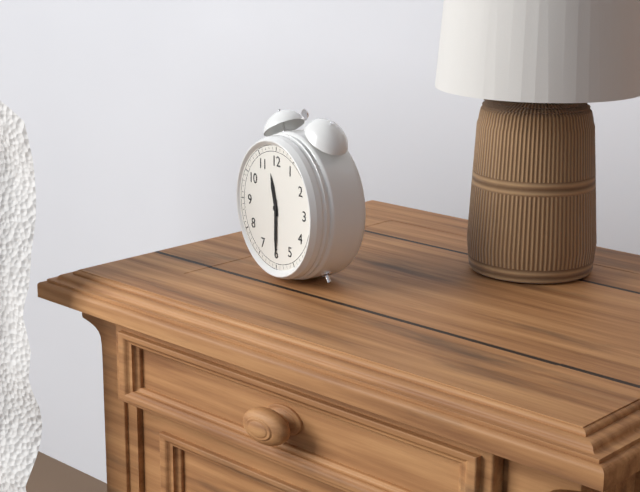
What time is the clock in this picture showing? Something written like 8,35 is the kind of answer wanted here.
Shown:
11,30
